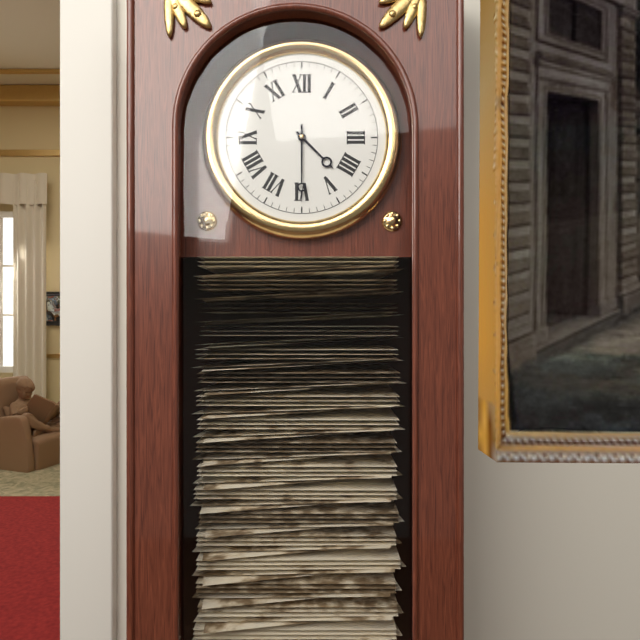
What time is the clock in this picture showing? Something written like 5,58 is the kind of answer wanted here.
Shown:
4,30
